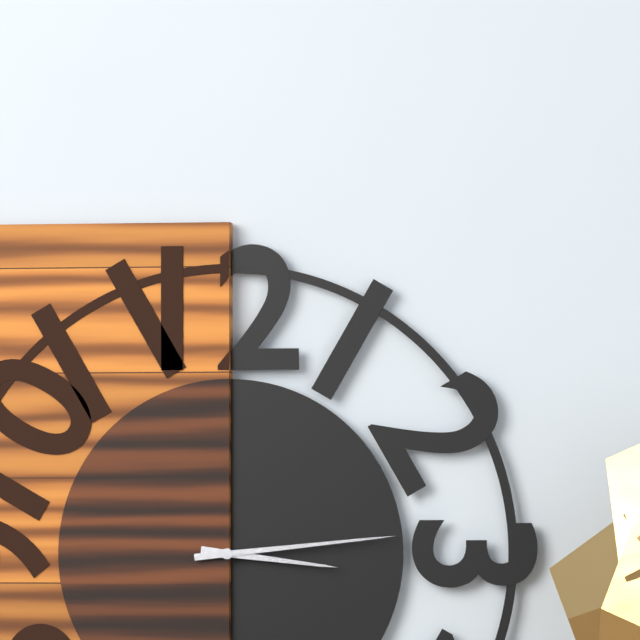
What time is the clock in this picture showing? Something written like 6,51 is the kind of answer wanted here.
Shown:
3,14
